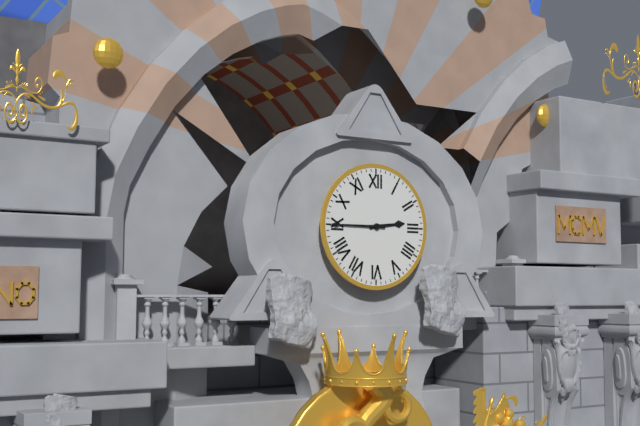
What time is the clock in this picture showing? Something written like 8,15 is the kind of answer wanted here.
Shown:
2,45
